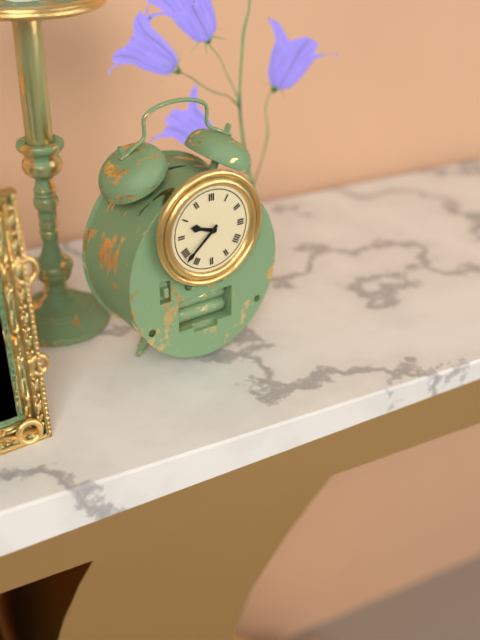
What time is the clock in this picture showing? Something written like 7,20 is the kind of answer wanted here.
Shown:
9,38
